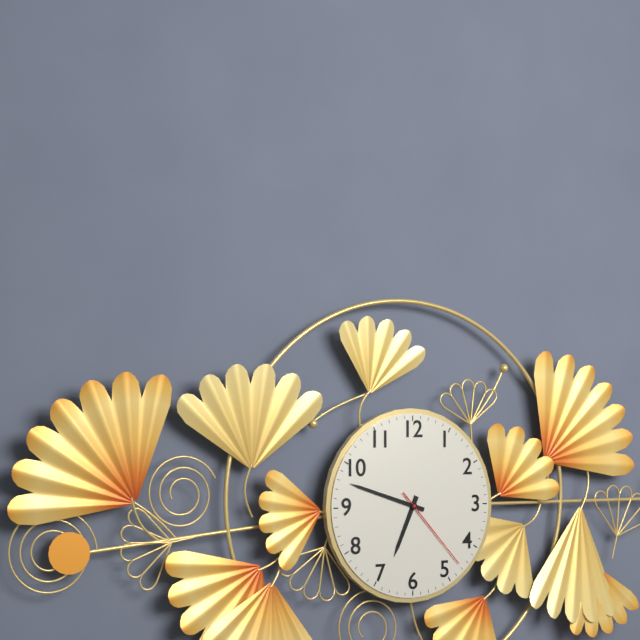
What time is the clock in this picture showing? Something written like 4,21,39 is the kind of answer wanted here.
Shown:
6,48,23
